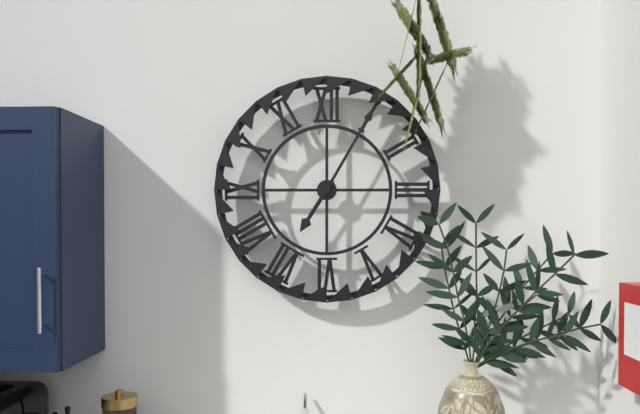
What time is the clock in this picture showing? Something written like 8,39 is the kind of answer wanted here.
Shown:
7,05
